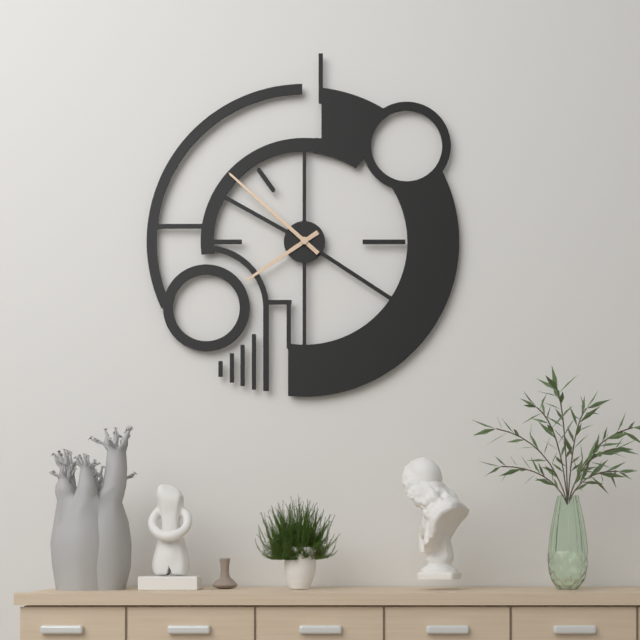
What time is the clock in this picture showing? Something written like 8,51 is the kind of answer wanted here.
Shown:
7,52
